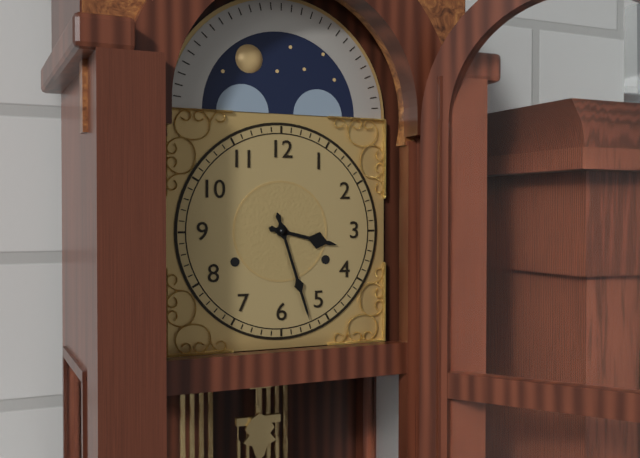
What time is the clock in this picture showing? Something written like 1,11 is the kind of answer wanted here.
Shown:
3,27
